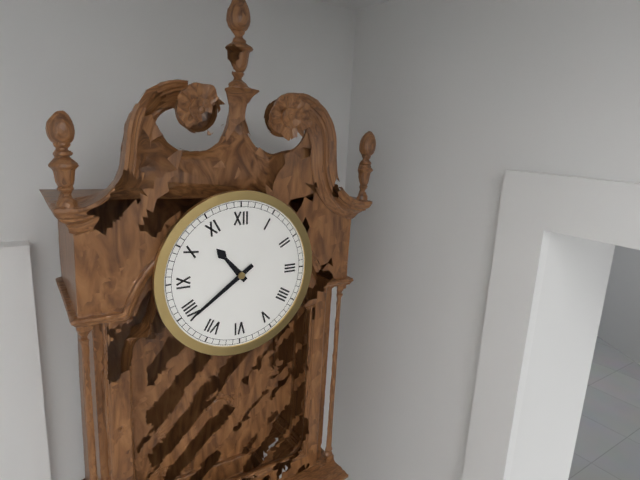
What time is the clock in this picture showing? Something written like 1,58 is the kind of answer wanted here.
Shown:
10,39
